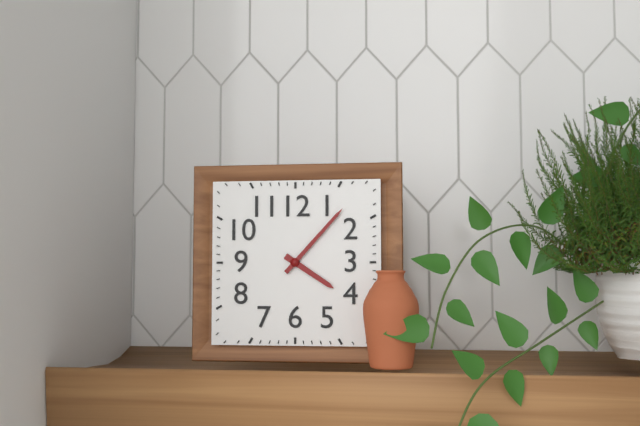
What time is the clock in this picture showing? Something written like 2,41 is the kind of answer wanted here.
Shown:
4,07
